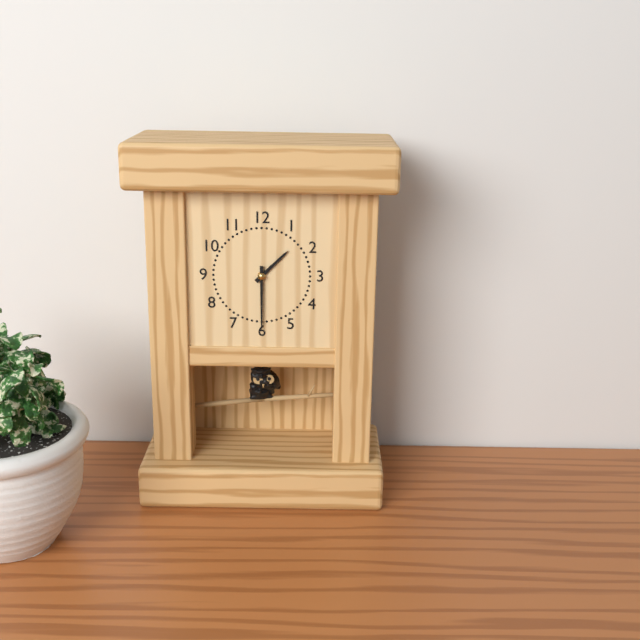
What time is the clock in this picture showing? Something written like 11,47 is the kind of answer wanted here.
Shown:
1,30
